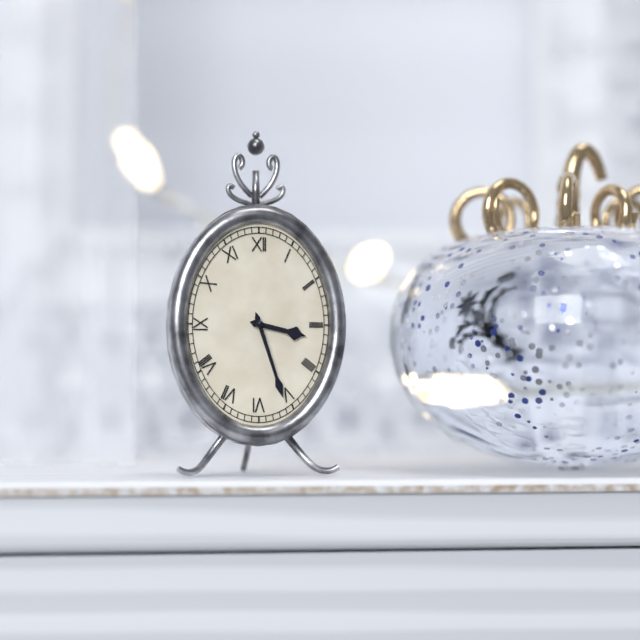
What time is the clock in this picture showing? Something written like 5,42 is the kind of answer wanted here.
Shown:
3,27
